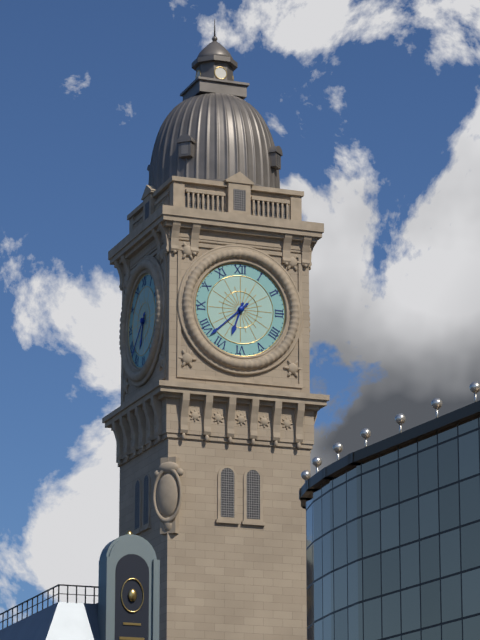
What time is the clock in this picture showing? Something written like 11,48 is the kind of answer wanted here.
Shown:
6,38
